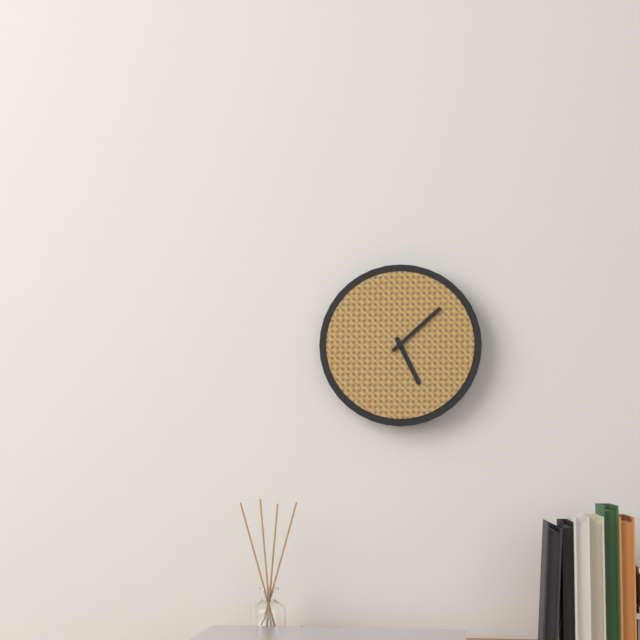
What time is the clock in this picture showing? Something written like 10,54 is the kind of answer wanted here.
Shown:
5,08
